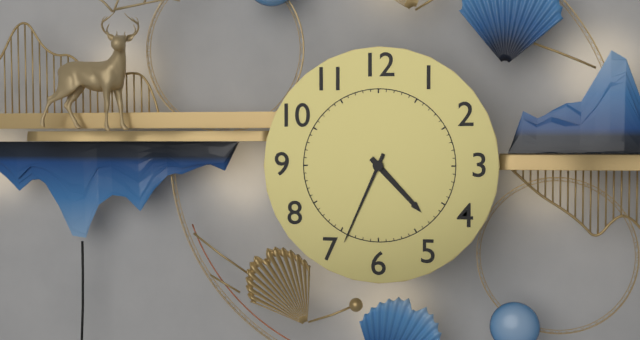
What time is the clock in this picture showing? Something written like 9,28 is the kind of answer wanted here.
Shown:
4,34
